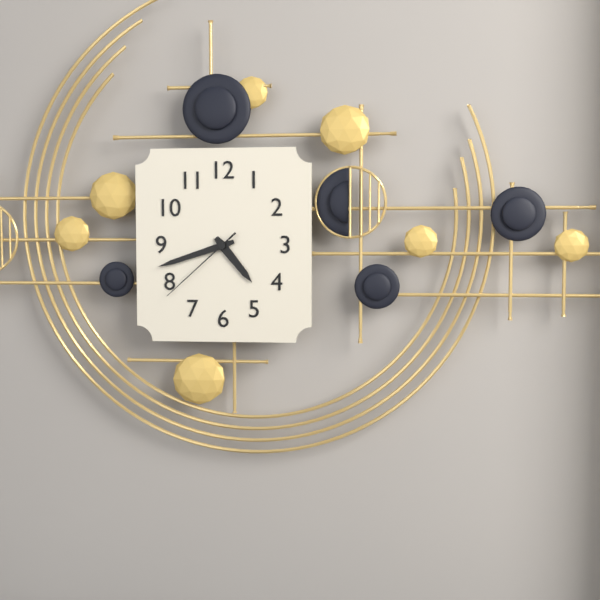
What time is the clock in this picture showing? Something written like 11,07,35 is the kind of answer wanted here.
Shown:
4,42,38
